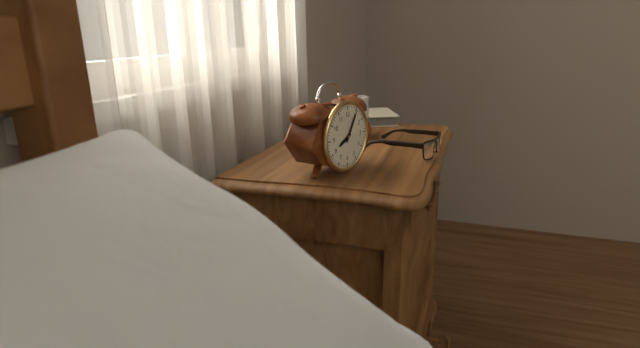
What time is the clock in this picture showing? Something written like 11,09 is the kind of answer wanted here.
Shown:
8,05
